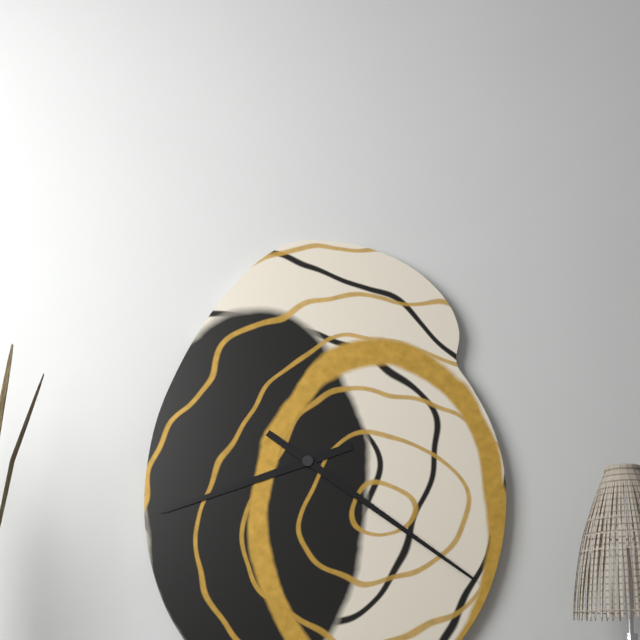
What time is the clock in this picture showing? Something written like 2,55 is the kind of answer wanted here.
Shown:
8,21
